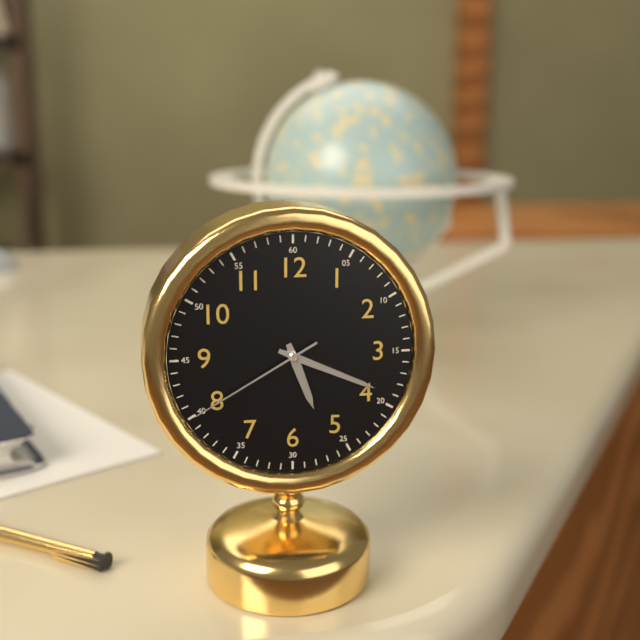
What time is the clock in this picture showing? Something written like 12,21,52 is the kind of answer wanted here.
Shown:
5,19,40
